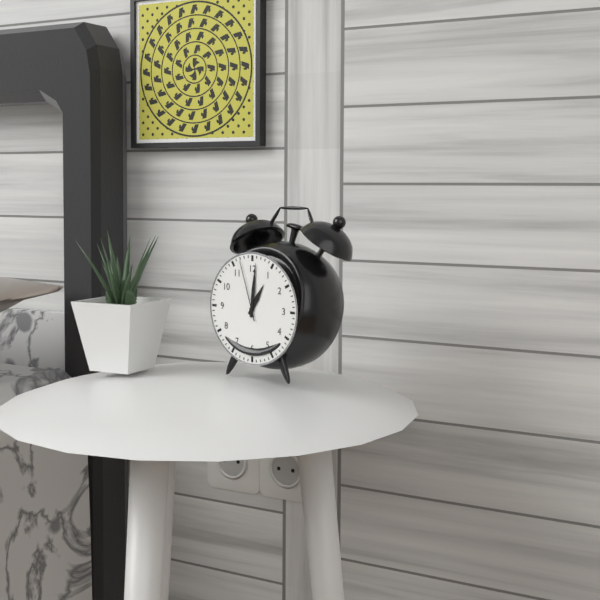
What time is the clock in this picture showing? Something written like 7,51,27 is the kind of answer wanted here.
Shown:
1,01,57
